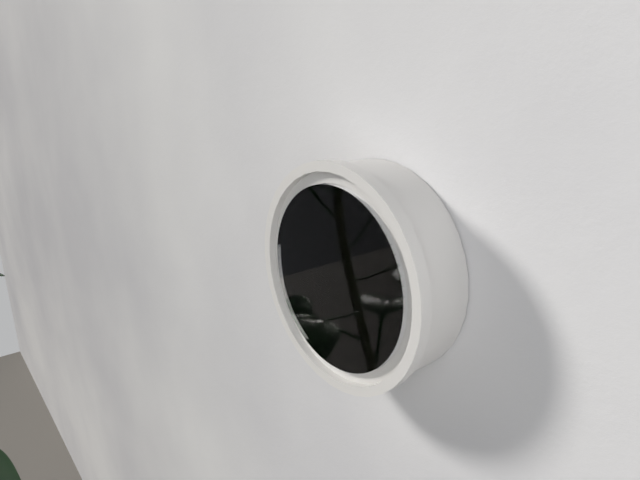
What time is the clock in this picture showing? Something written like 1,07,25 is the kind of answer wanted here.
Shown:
1,47,34
